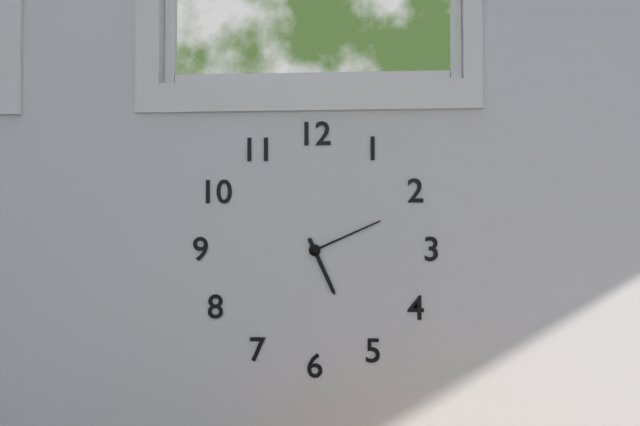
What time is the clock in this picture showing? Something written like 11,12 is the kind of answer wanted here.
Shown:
5,11
